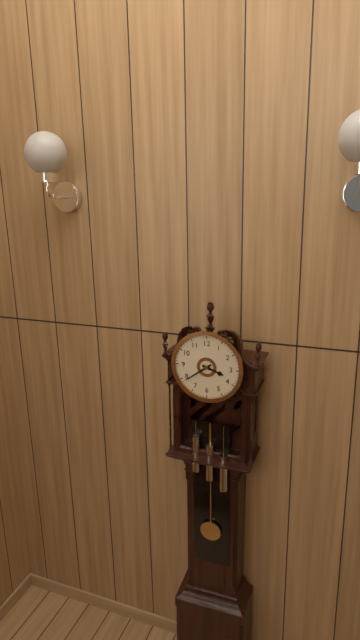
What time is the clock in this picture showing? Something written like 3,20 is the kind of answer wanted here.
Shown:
3,39
